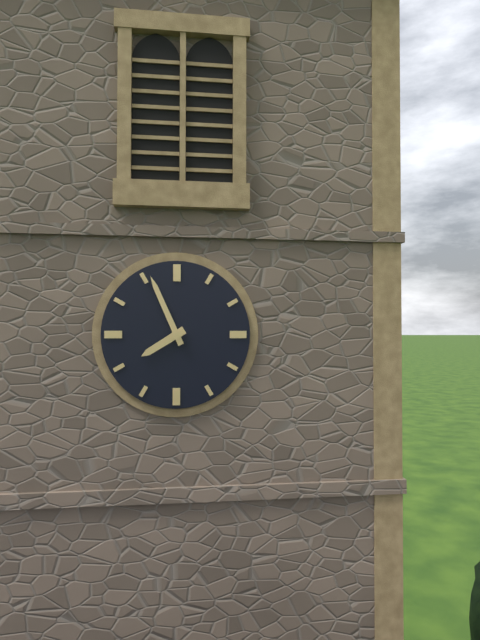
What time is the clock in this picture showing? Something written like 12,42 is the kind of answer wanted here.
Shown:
7,56
